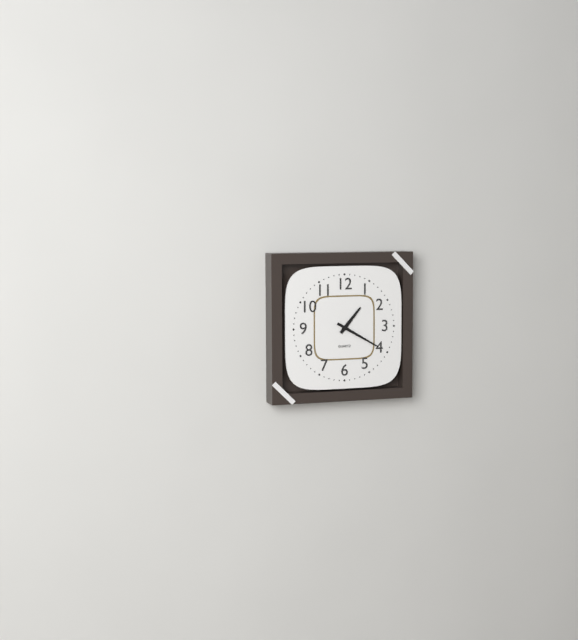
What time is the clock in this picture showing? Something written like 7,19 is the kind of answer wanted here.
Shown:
1,20
